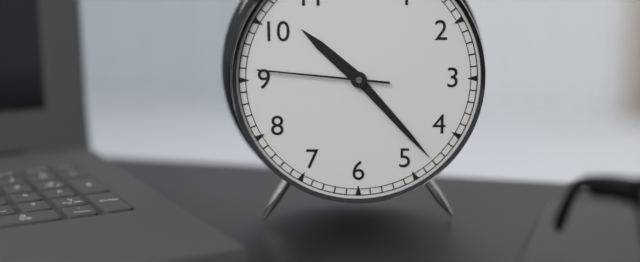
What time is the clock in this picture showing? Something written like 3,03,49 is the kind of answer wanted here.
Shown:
10,23,46
